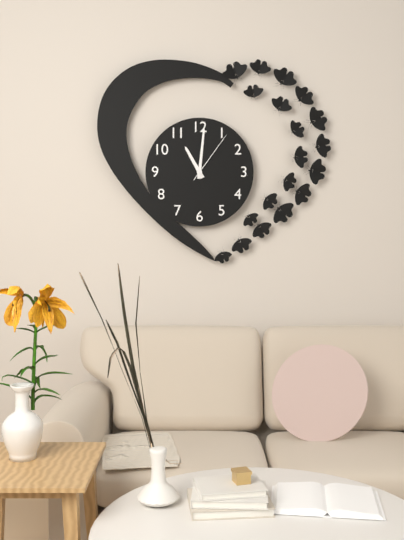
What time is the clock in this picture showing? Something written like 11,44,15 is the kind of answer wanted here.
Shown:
11,01,06
